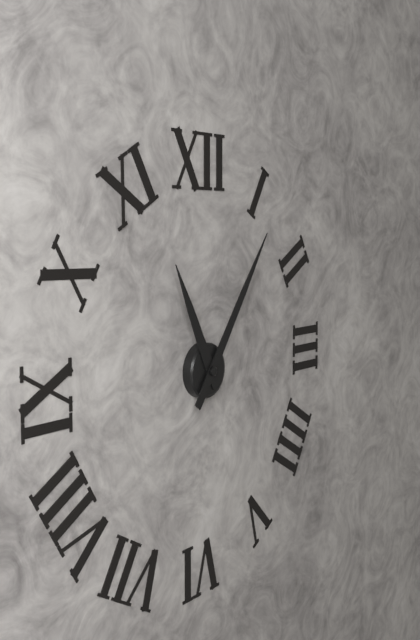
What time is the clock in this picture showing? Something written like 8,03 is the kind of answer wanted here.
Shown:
11,06
